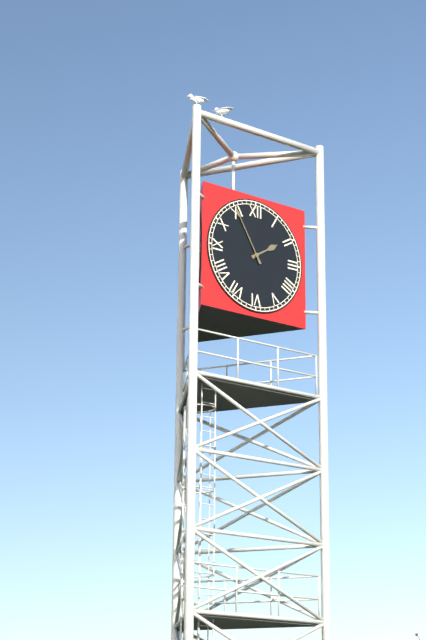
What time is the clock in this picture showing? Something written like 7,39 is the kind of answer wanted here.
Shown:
1,55
